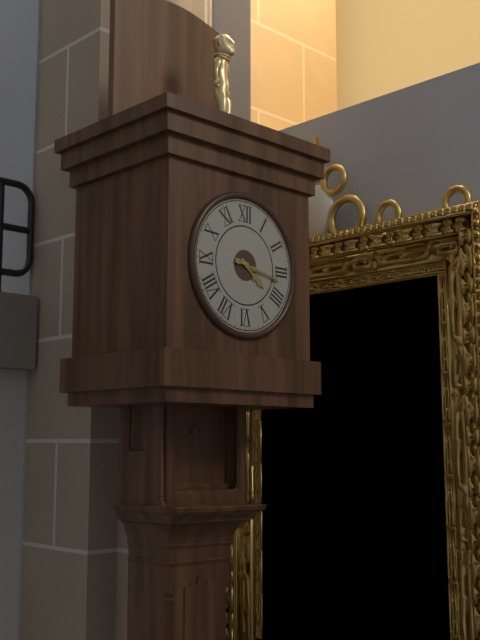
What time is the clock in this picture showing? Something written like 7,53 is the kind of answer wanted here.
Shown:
4,17
